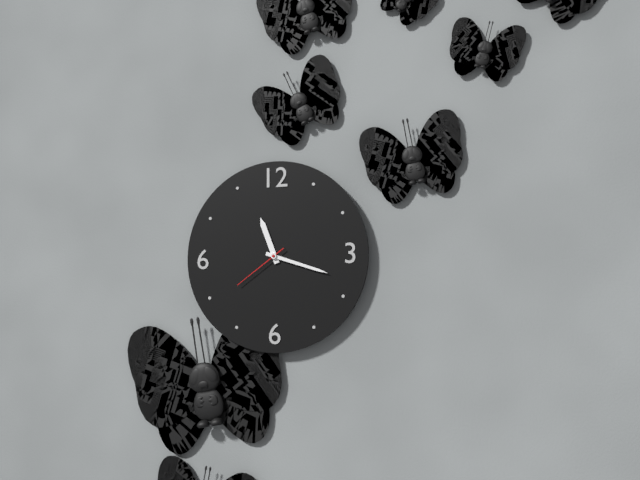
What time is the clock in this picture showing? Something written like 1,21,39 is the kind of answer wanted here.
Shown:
11,18,39
